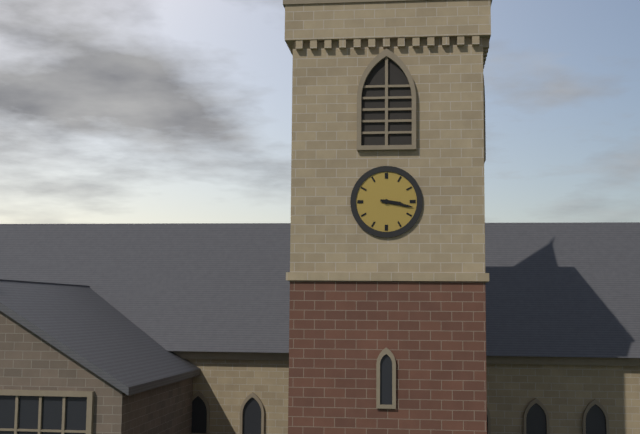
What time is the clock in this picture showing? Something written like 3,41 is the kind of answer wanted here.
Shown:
3,17
